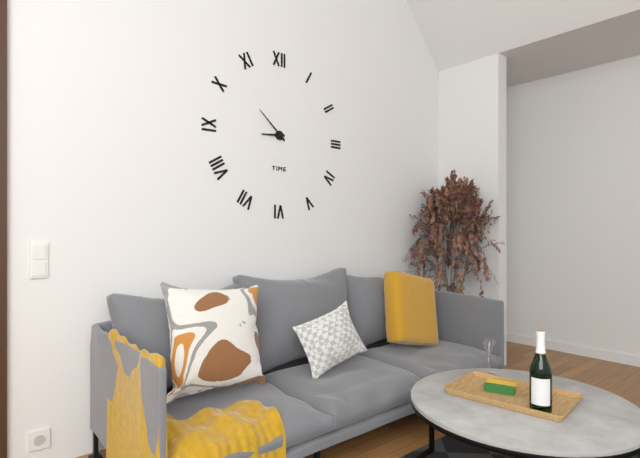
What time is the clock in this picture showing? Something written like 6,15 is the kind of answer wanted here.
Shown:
8,52
